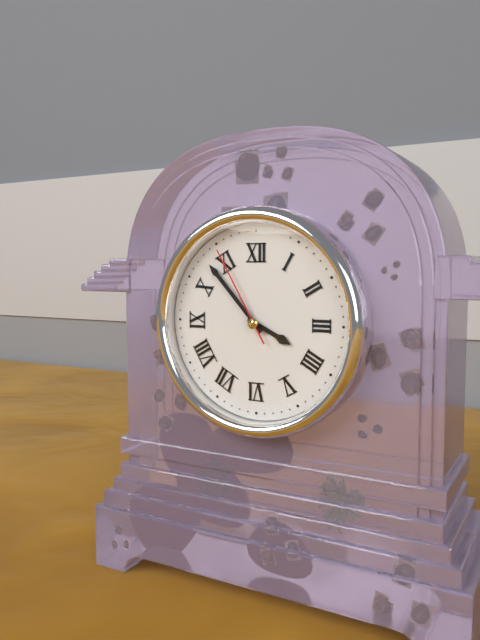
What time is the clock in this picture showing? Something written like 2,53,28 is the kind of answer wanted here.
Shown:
3,53,55
